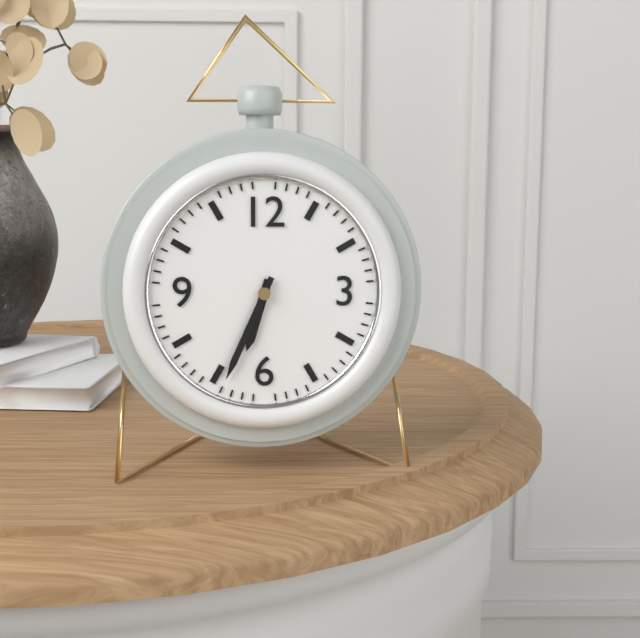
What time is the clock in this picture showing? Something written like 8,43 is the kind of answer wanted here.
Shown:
6,34
